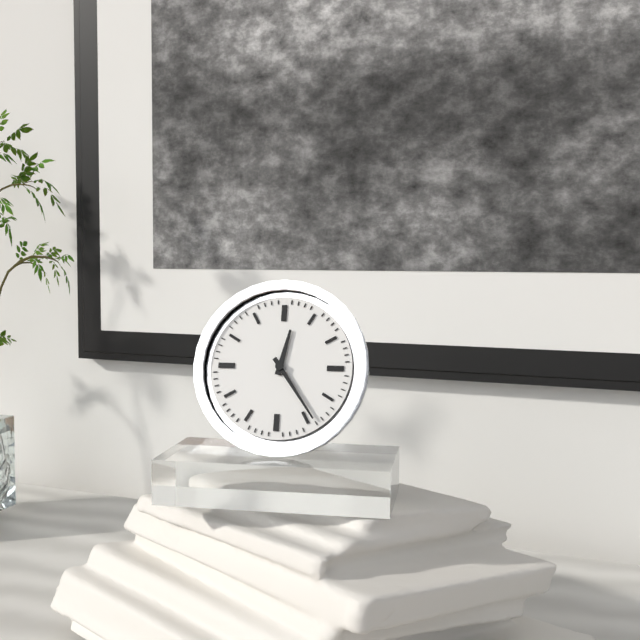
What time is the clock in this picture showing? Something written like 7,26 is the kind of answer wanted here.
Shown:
12,24
